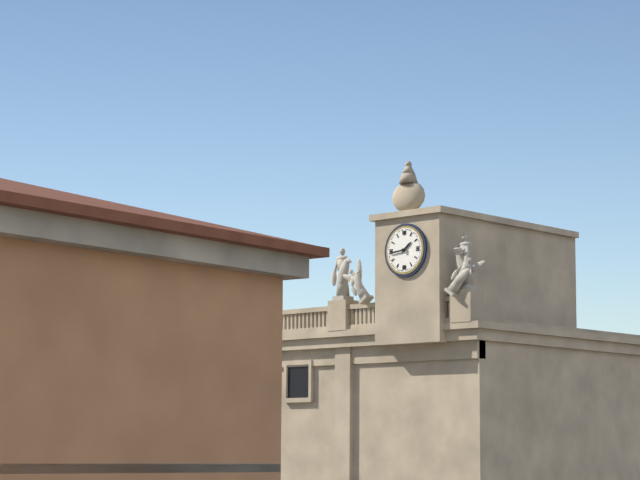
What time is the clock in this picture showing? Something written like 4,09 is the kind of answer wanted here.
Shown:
1,44
